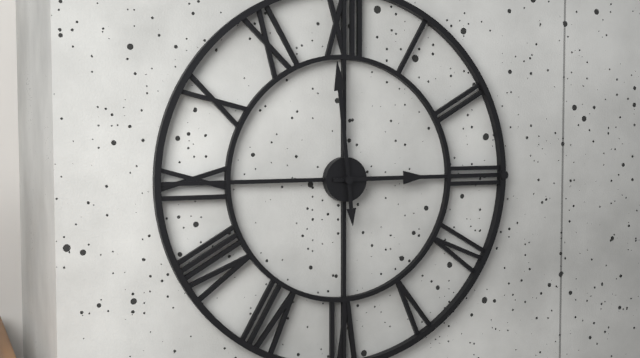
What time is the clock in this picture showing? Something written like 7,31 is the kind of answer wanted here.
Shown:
2,59
